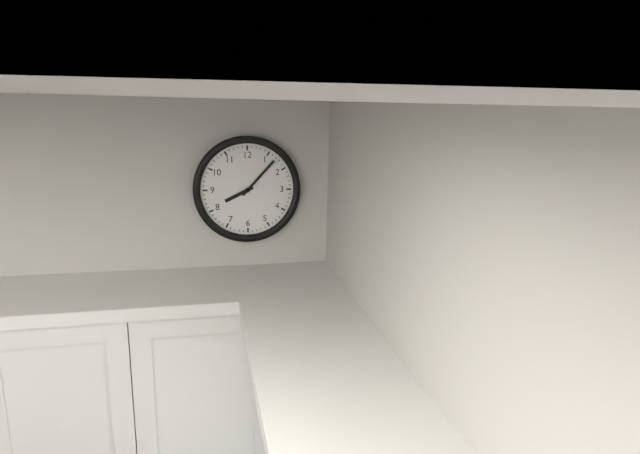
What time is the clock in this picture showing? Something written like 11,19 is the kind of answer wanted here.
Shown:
8,07
